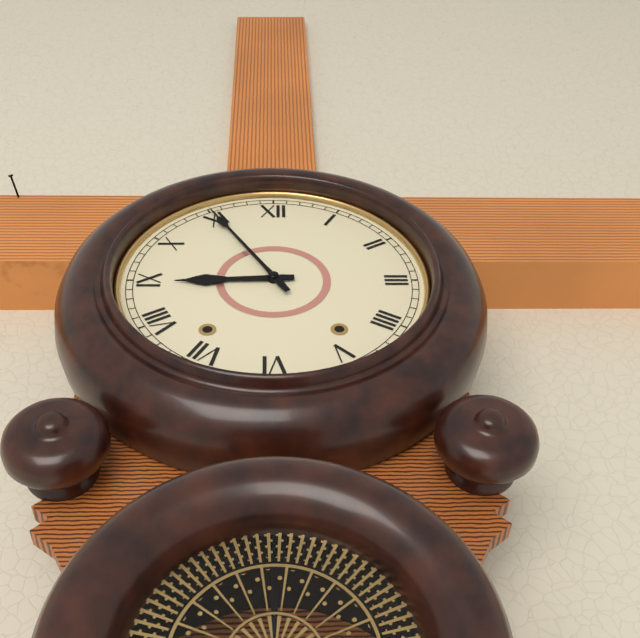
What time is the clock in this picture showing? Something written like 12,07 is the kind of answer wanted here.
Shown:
8,55
